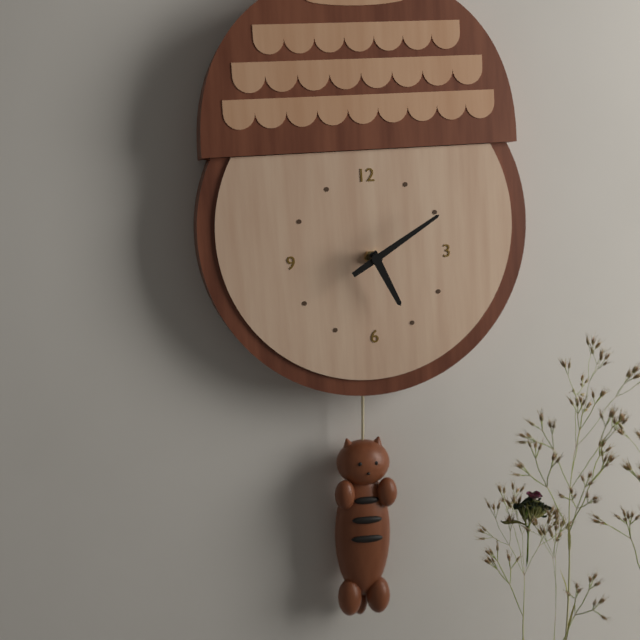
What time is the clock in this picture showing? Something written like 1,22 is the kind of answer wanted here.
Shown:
5,10
